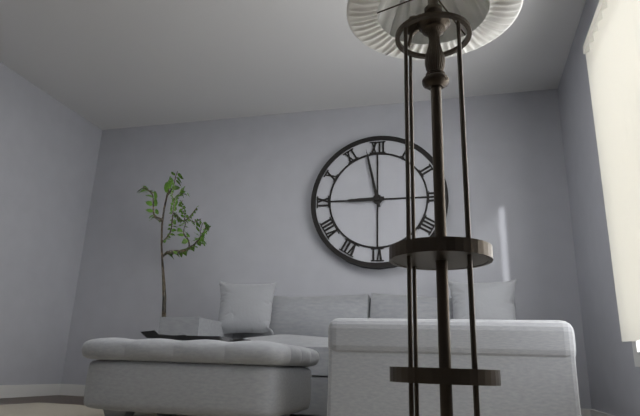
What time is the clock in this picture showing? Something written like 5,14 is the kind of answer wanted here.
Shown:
8,58
